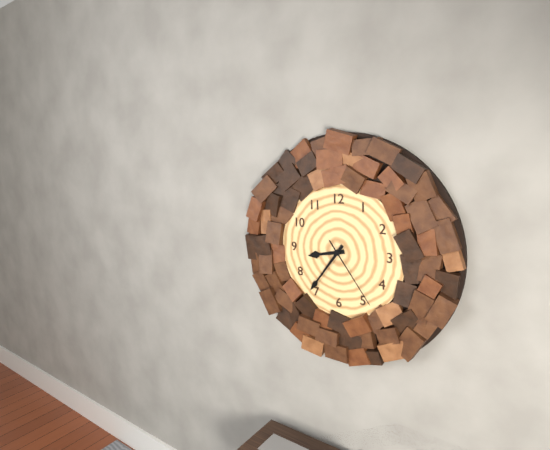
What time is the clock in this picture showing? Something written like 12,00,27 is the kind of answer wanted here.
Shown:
8,36,24
